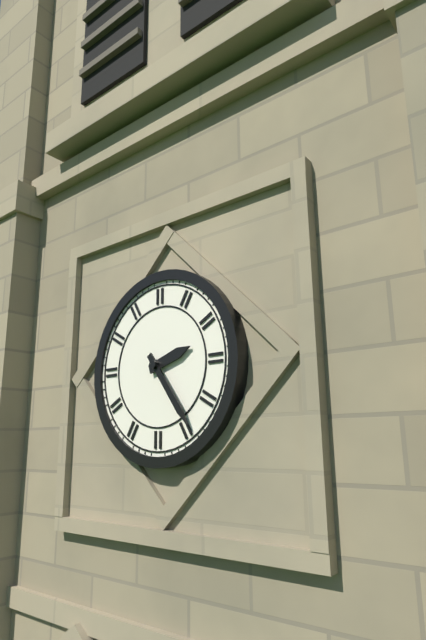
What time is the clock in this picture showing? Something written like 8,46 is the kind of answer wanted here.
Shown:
2,24
